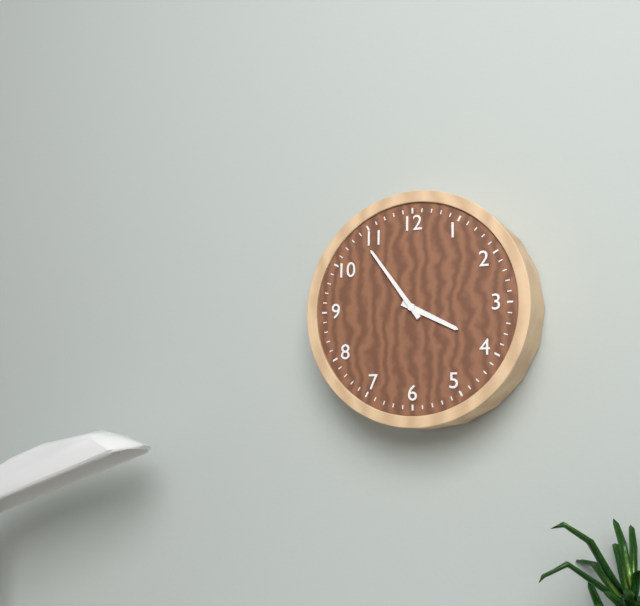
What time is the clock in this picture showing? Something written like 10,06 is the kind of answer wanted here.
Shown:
3,54
